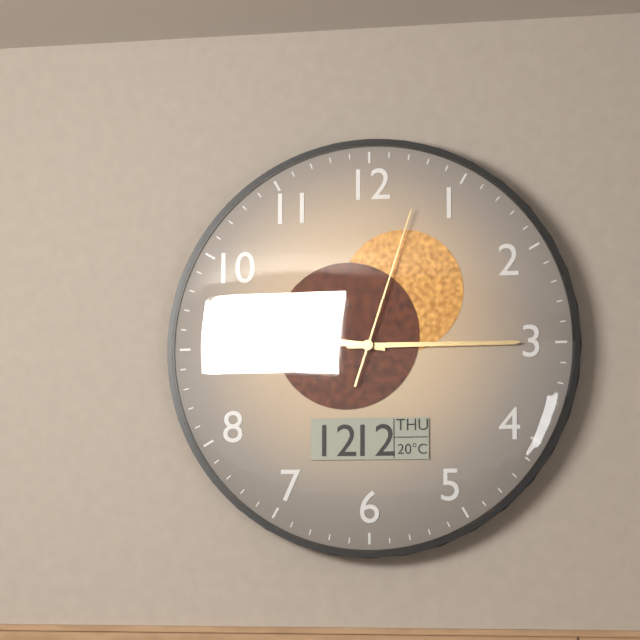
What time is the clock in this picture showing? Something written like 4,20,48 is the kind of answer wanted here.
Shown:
9,15,03
